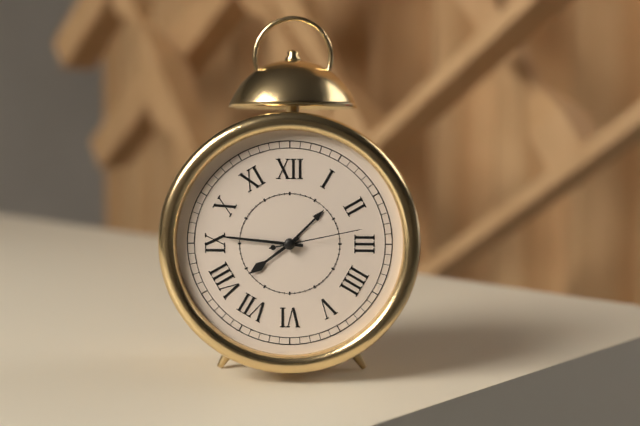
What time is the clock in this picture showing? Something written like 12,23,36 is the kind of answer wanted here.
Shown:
7,46,13
